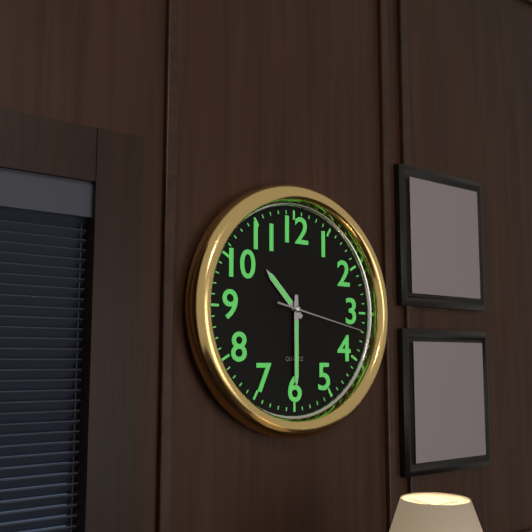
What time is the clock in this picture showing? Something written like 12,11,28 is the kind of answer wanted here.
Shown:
10,30,17
